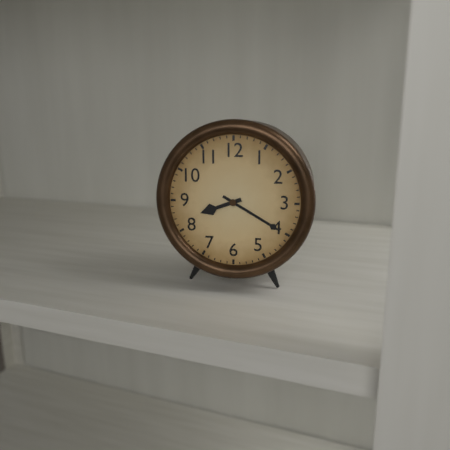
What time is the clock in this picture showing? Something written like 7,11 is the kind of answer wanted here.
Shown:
8,20
